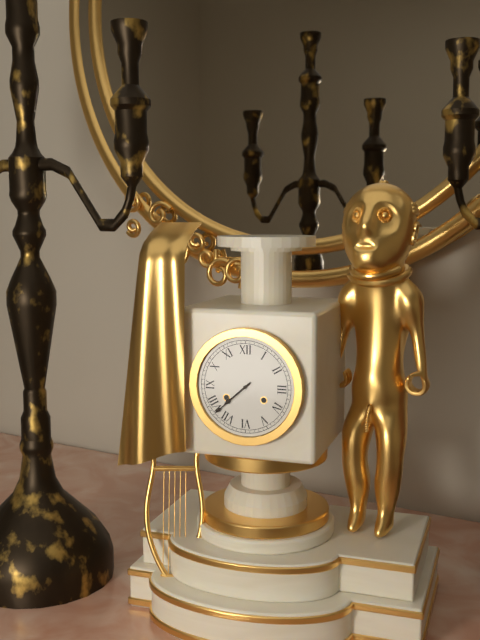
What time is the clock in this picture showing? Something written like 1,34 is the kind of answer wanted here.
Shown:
7,38
